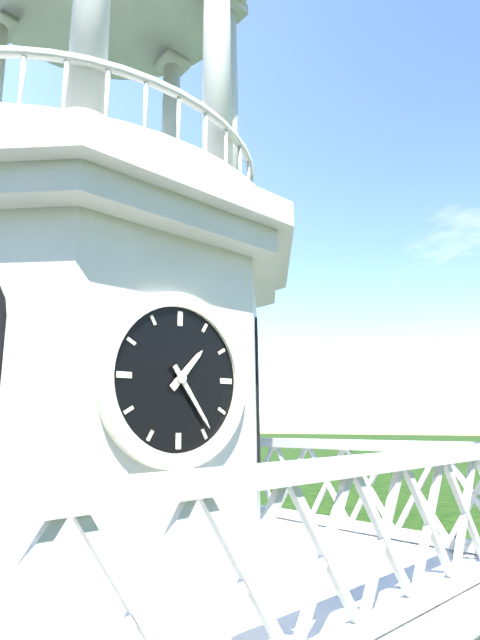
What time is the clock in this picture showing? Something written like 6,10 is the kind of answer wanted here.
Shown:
1,24
